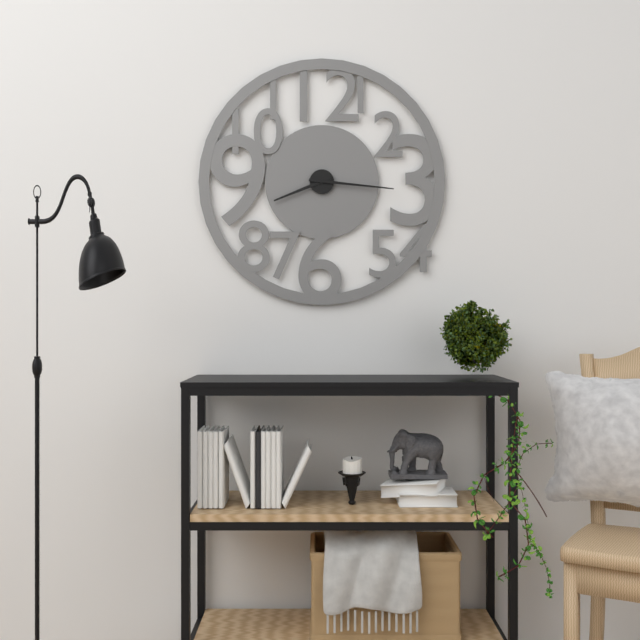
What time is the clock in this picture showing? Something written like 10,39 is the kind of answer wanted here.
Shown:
8,16
